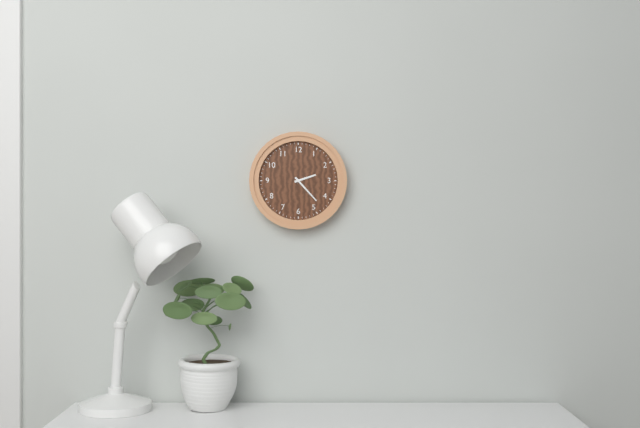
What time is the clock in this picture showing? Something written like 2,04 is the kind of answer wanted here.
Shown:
2,23
